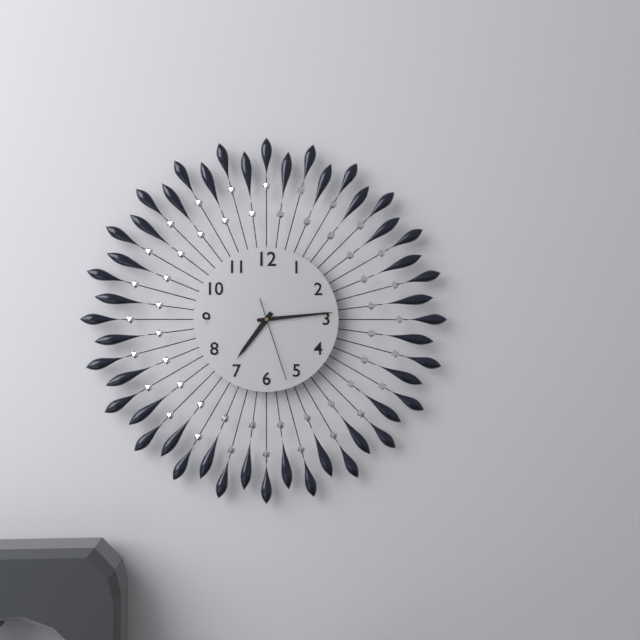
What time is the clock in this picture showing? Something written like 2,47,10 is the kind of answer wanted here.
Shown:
7,14,27
